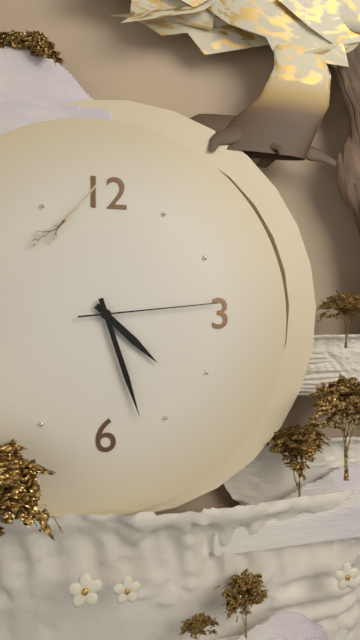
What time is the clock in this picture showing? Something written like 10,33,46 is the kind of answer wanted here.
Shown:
4,27,14
